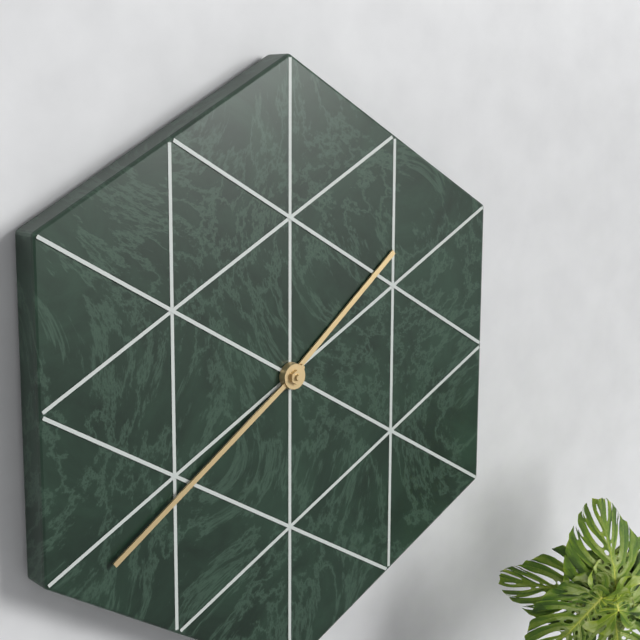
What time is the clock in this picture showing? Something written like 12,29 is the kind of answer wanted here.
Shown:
1,39
